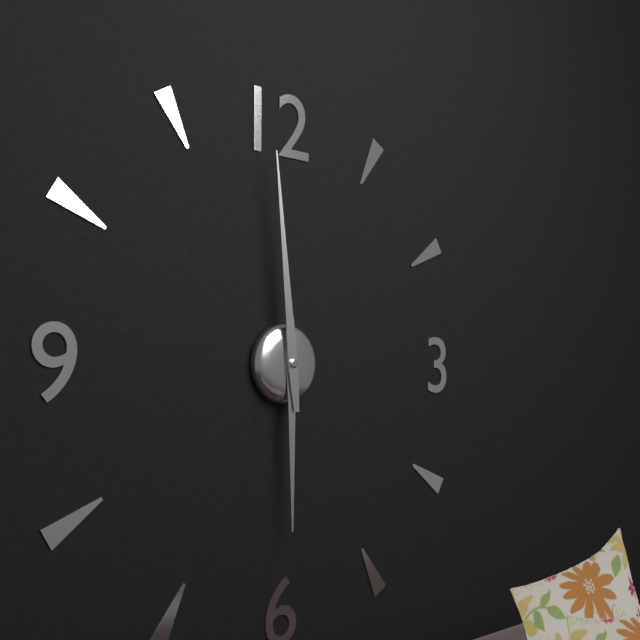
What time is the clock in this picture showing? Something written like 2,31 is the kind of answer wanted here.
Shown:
5,59
